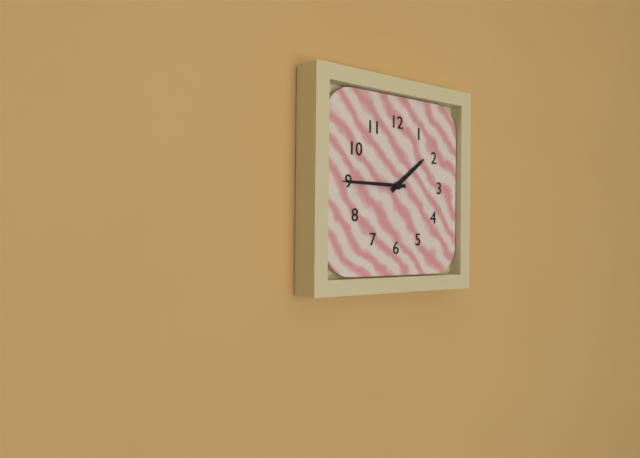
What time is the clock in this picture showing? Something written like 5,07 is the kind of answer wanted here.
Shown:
1,45
